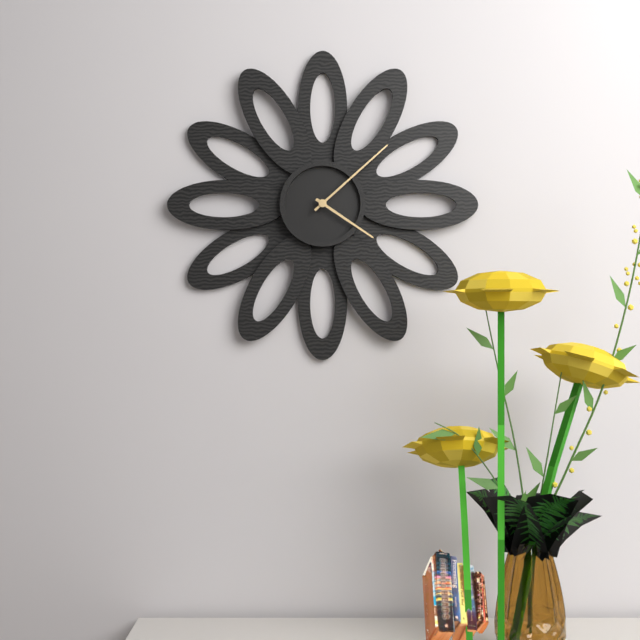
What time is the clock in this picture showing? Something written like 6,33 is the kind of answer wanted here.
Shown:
4,08
